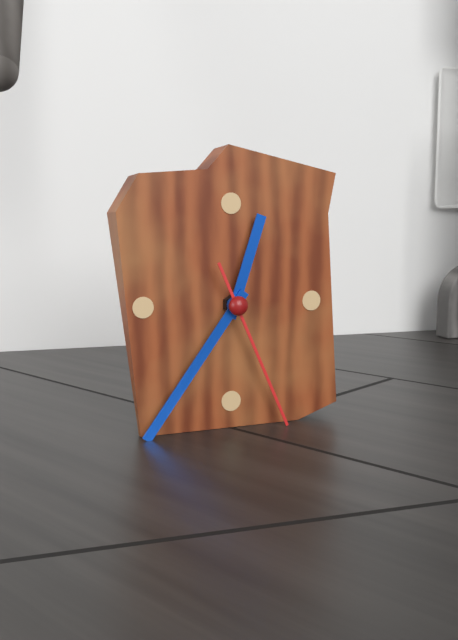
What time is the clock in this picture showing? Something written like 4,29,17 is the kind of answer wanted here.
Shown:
12,36,26
